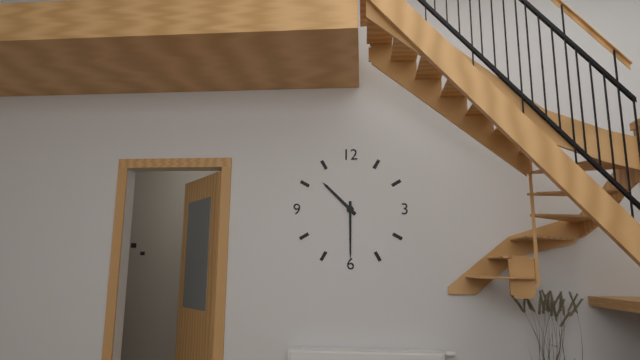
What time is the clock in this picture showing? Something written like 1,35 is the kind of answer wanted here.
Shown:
10,30
